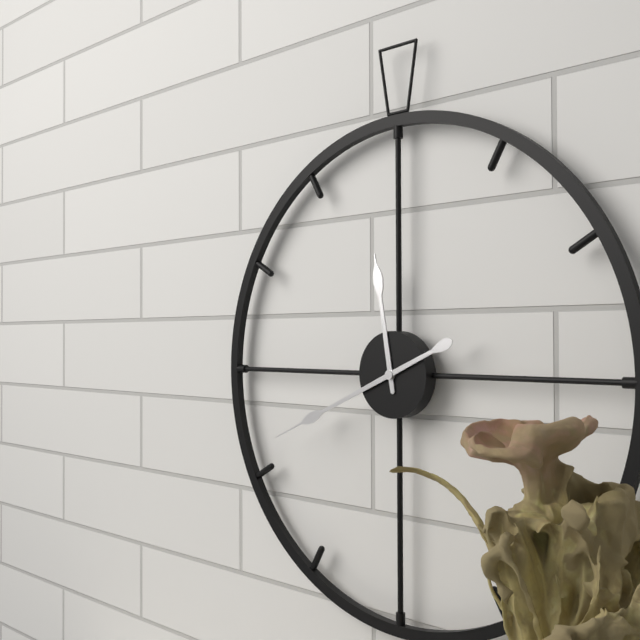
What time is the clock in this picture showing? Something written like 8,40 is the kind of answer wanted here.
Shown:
11,41
